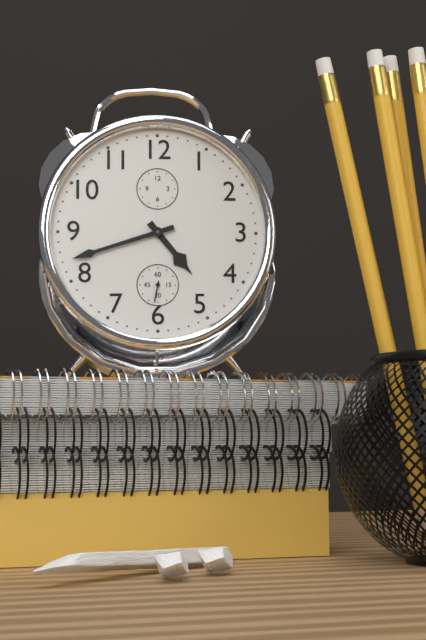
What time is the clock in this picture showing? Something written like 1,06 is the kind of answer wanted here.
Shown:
4,42
